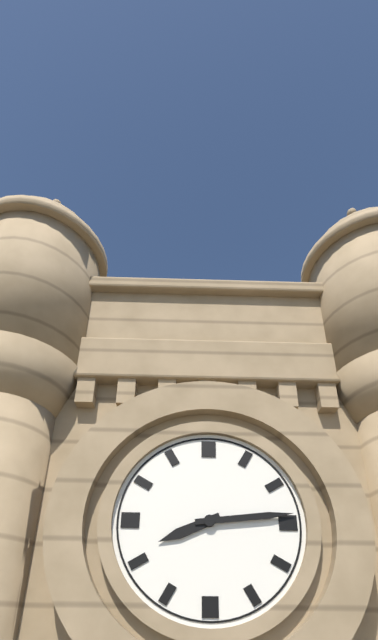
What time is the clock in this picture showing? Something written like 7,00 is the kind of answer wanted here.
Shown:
8,14
